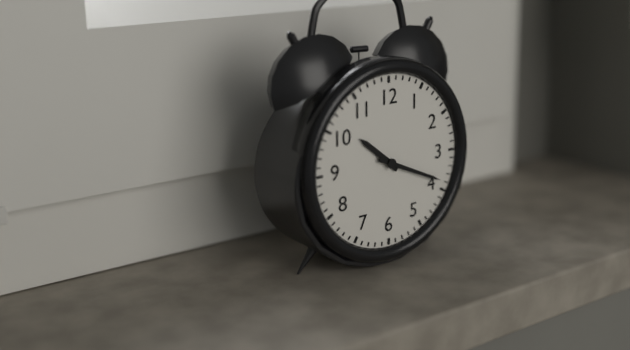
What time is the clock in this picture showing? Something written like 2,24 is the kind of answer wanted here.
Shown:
10,19
